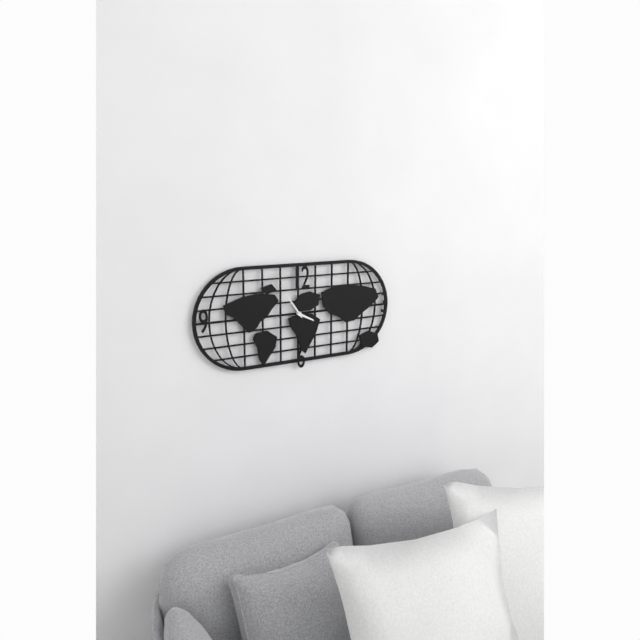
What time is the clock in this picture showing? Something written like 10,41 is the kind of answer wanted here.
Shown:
3,54
